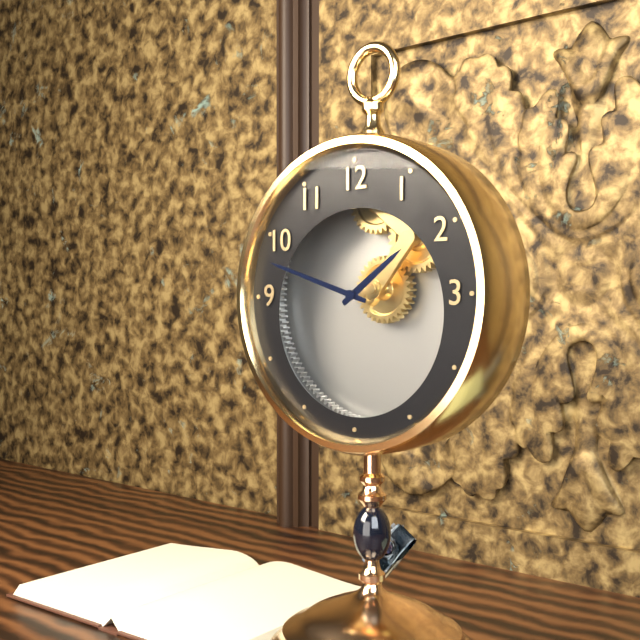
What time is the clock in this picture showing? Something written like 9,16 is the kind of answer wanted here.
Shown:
1,48
